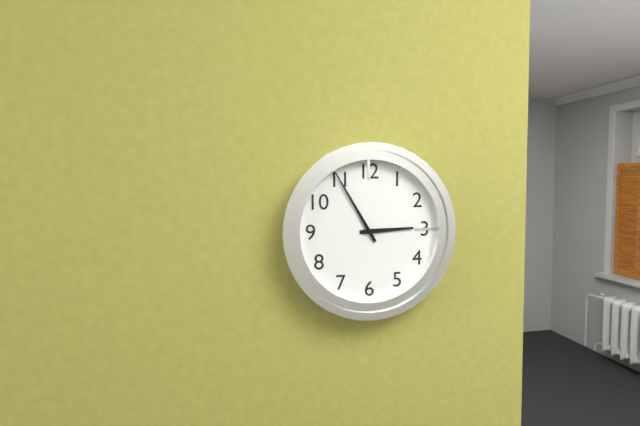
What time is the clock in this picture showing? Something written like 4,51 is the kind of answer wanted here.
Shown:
2,55
